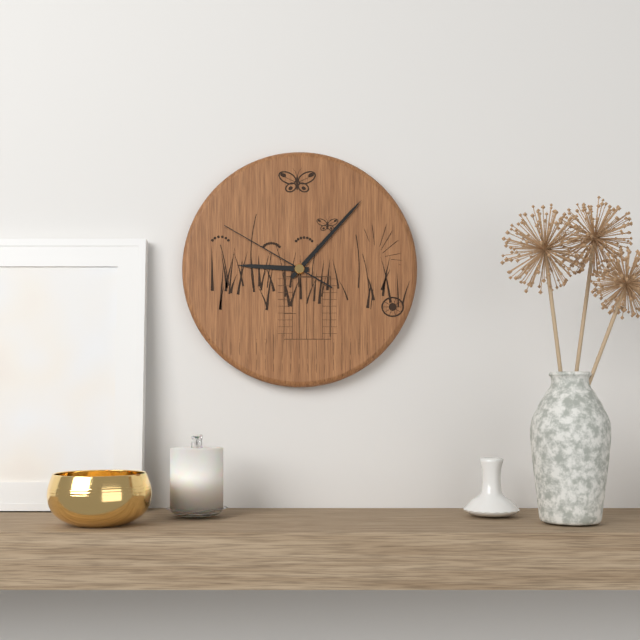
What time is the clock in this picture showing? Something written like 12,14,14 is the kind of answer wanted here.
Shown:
9,07,50
